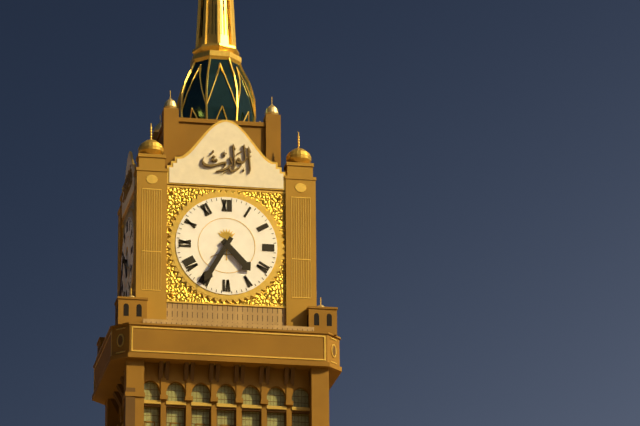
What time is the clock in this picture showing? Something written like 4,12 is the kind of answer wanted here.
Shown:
4,35
